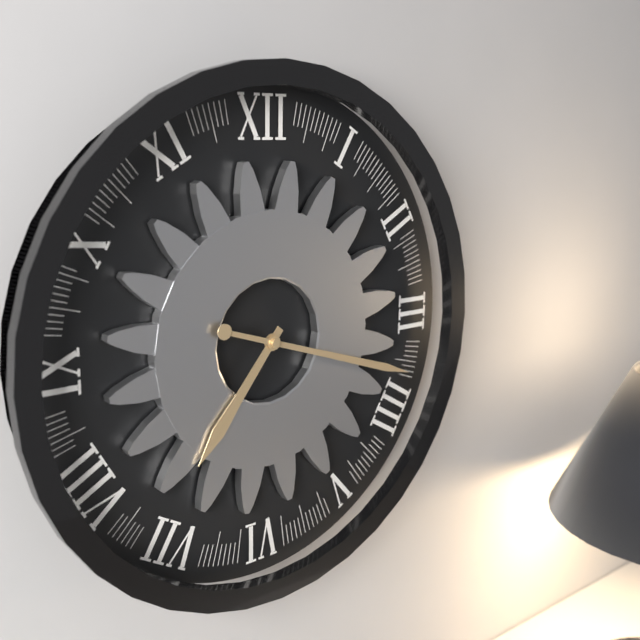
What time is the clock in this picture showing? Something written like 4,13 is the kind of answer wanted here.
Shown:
7,18
